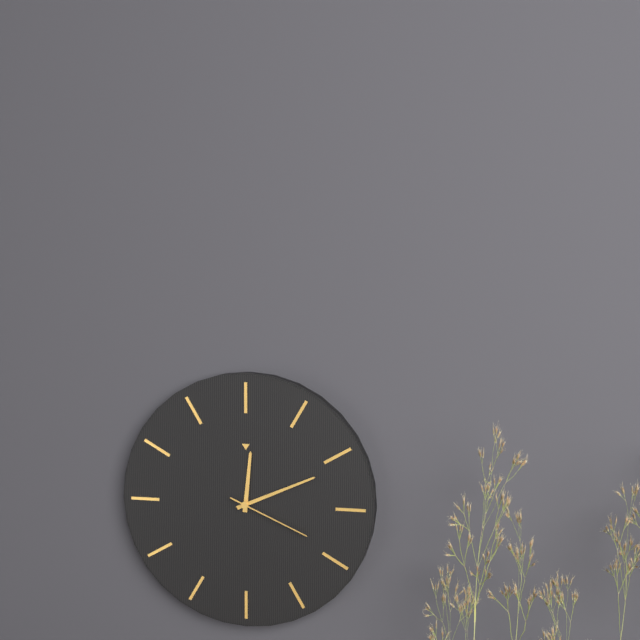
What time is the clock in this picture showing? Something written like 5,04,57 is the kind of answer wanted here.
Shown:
12,11,19
